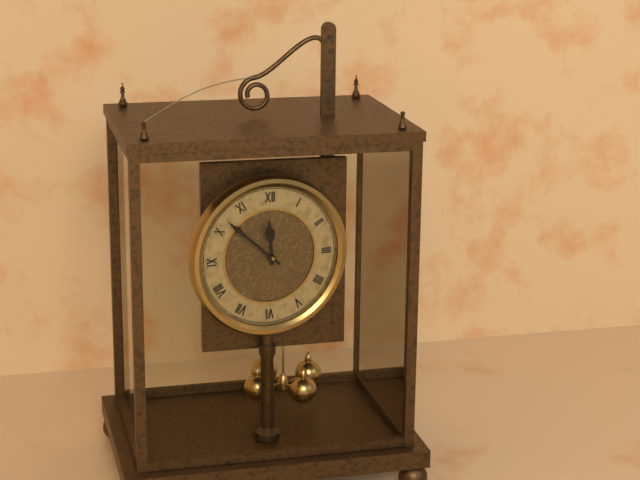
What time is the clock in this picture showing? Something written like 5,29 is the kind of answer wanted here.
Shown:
11,52
